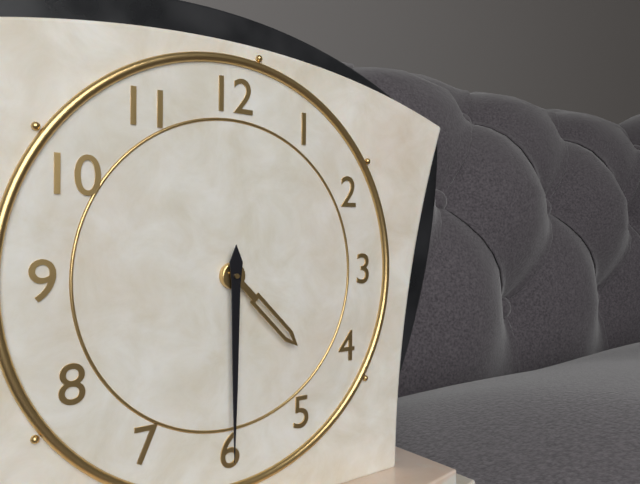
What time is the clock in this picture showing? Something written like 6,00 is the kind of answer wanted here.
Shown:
4,30
